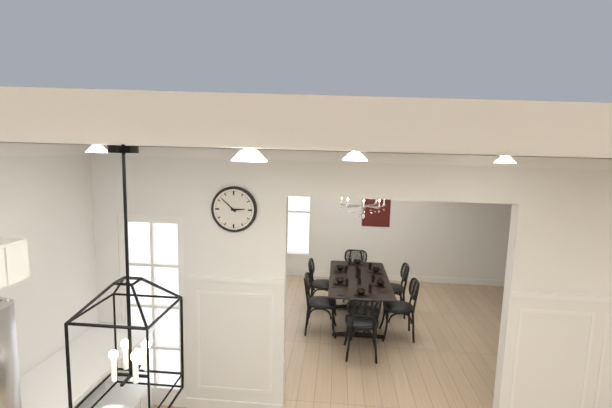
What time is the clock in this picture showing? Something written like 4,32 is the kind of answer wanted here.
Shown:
2,52
